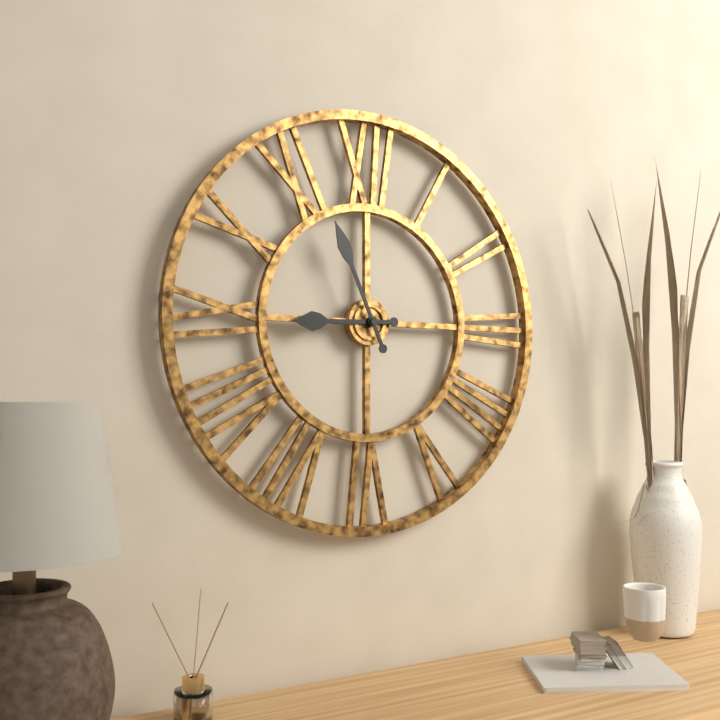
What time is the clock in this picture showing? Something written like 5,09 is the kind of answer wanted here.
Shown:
8,56
